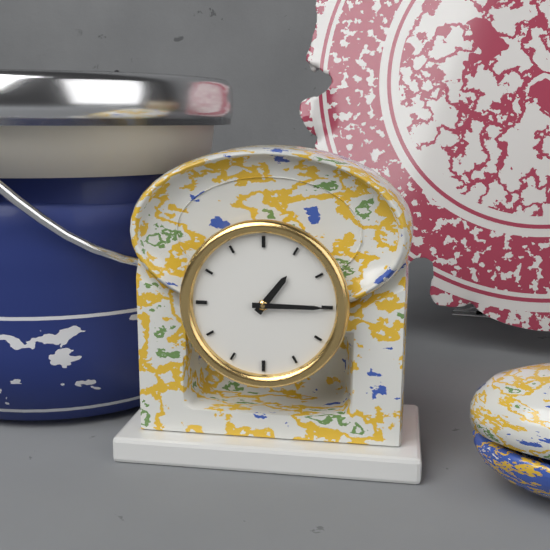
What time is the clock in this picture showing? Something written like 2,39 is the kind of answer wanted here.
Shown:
1,15
